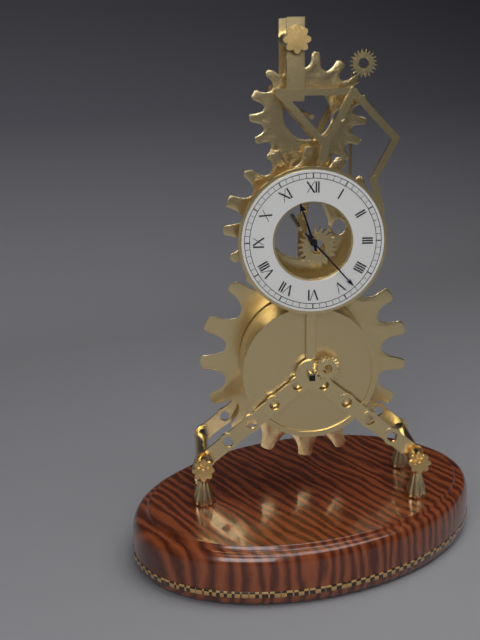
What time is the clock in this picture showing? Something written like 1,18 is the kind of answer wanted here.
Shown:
11,23
